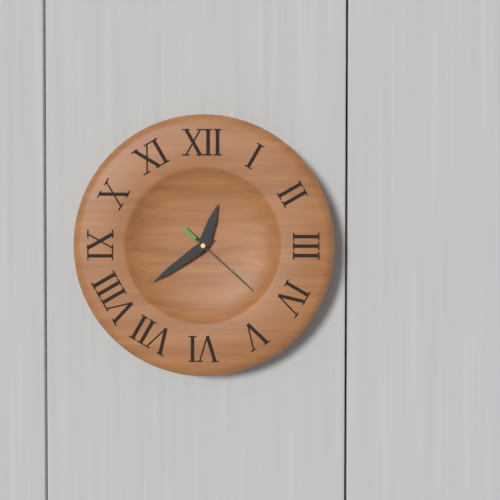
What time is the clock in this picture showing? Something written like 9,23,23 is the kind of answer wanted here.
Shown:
12,39,22
